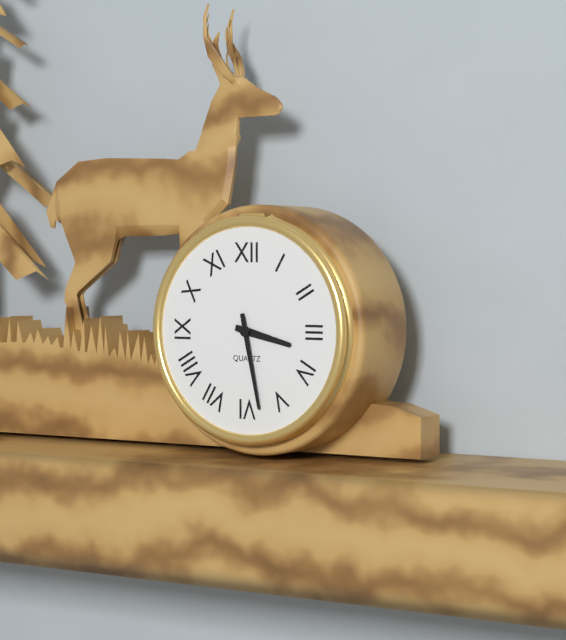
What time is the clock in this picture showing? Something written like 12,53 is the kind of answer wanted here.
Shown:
3,28
